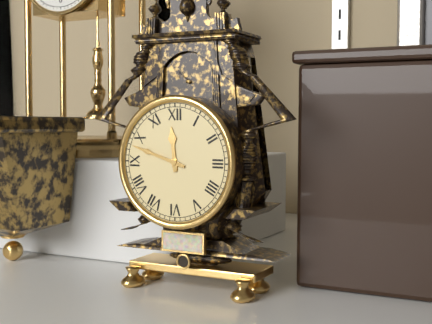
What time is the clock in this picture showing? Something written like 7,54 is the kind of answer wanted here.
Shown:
11,48
